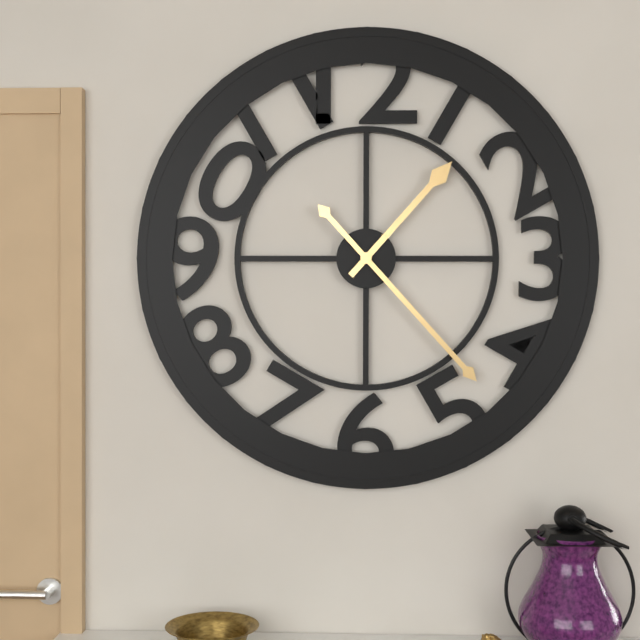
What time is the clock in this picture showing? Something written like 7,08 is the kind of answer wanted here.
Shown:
1,23
